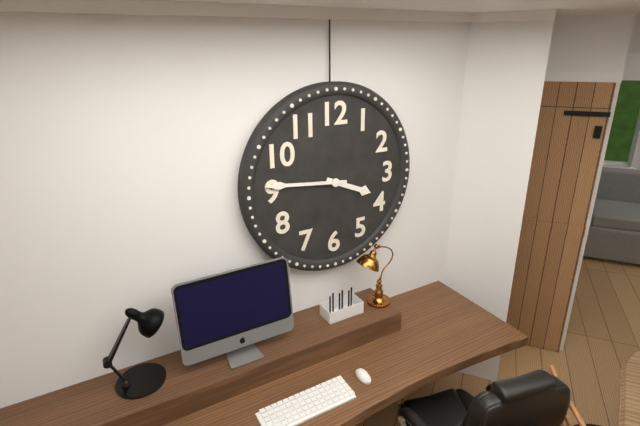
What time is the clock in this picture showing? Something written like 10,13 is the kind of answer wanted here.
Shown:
3,46
